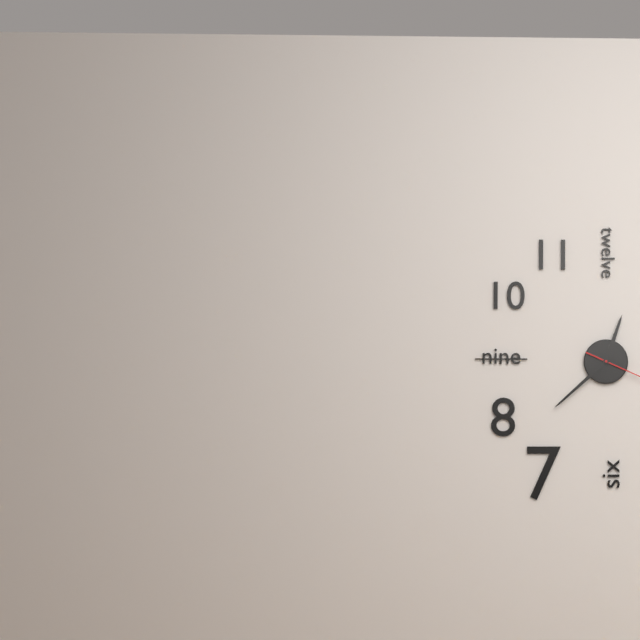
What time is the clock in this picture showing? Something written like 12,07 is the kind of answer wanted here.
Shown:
12,38
